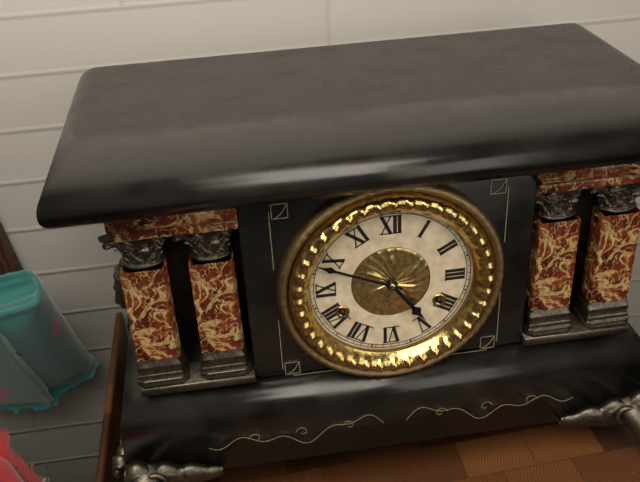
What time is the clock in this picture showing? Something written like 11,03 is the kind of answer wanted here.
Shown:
4,49
